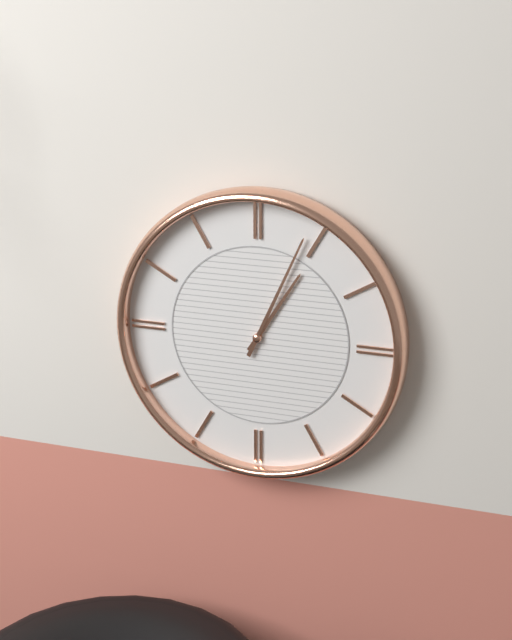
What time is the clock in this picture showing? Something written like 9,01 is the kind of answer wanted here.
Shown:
1,04
